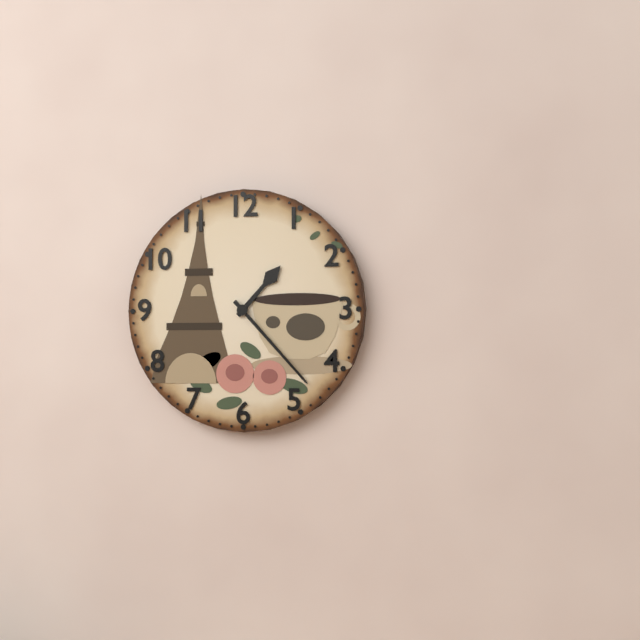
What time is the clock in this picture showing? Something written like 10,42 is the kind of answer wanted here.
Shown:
1,23
